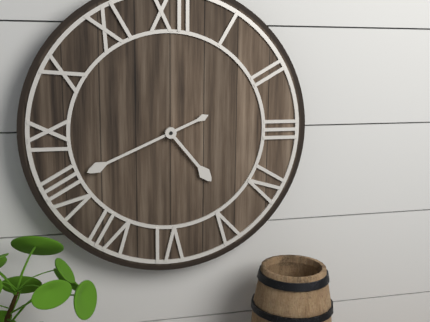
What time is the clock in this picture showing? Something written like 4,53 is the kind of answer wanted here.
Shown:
4,41
